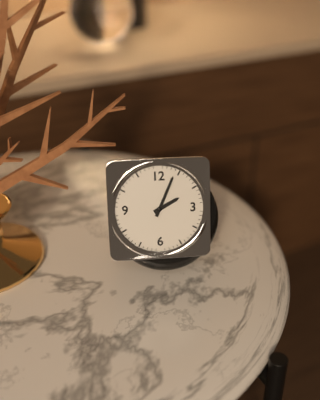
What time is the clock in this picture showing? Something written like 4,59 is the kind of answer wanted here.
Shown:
2,04
